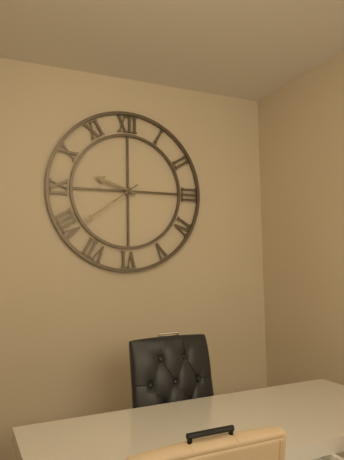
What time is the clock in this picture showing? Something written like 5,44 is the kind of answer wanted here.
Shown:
9,39
